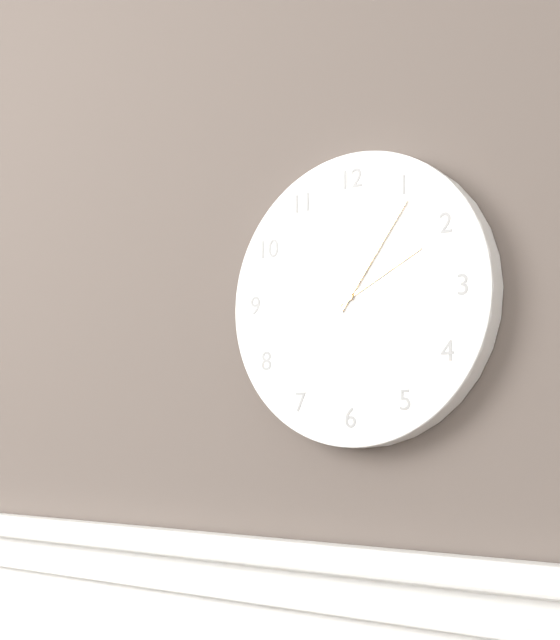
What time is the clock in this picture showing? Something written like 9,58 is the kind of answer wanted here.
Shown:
2,06
